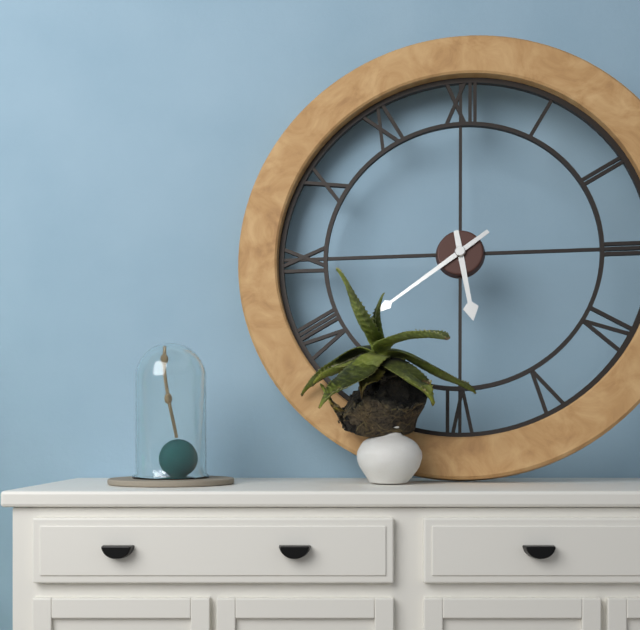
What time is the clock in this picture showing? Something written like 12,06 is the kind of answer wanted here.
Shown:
5,39
